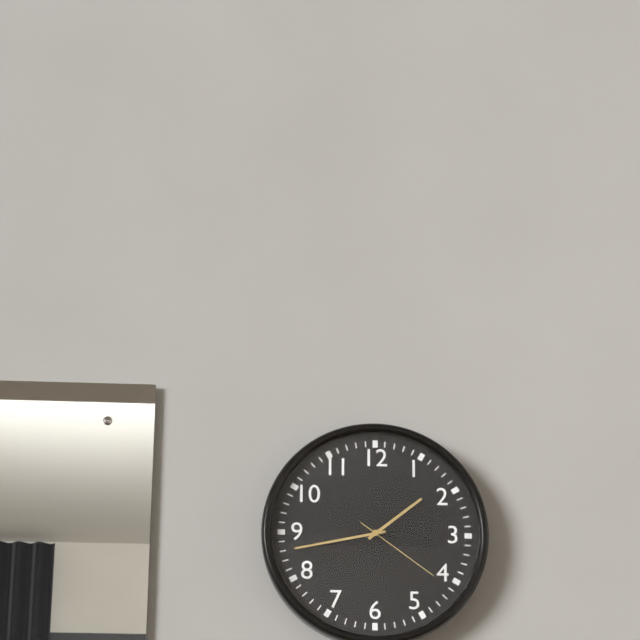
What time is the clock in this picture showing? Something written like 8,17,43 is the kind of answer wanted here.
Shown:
1,43,21
